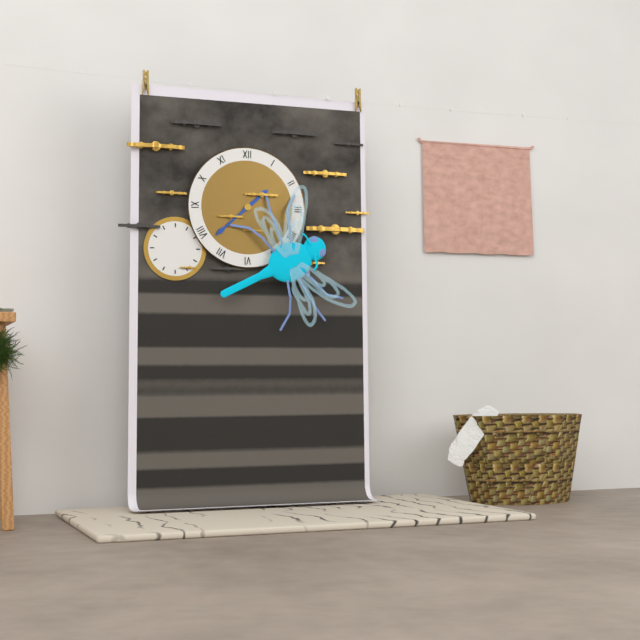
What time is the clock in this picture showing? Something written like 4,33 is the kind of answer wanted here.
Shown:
1,38
